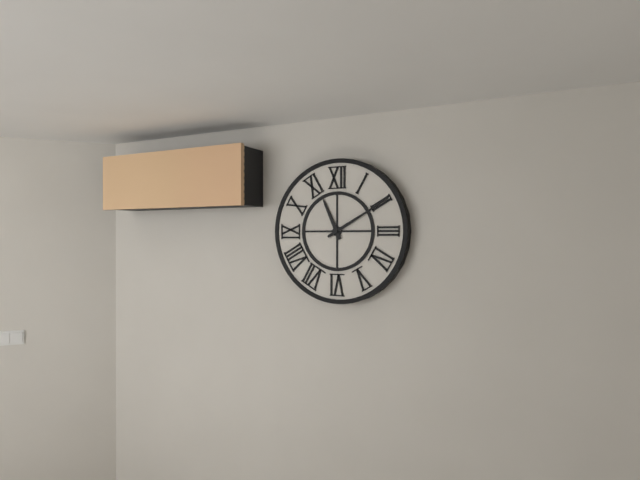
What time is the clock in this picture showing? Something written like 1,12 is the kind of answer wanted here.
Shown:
11,10
